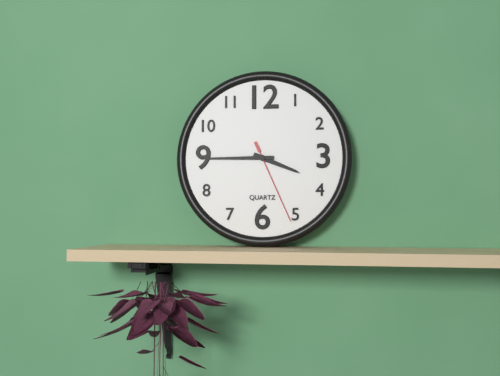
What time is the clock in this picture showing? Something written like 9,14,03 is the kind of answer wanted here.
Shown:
3,45,26
